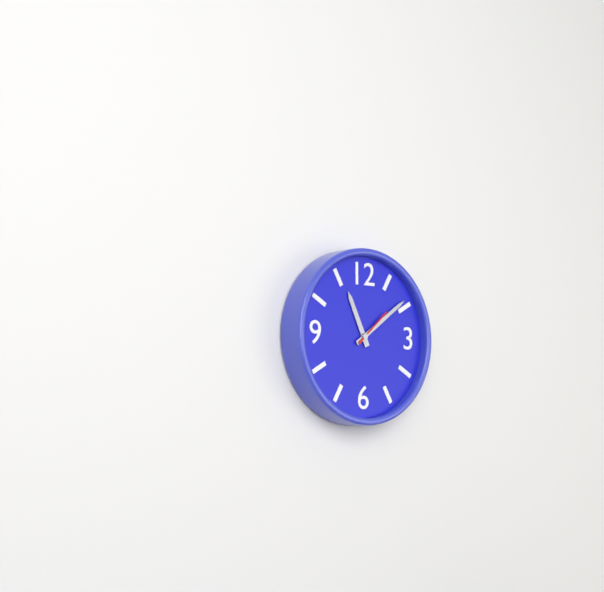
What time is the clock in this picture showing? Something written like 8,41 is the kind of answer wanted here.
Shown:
11,09
